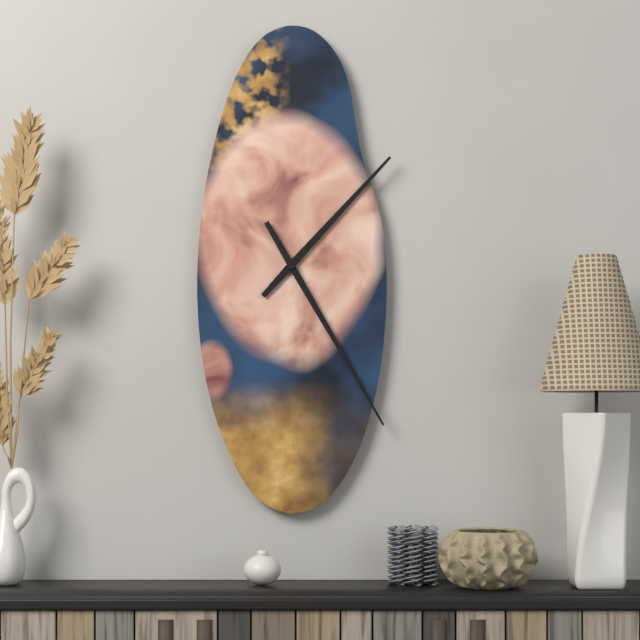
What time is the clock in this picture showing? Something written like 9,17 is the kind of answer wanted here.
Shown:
1,25
